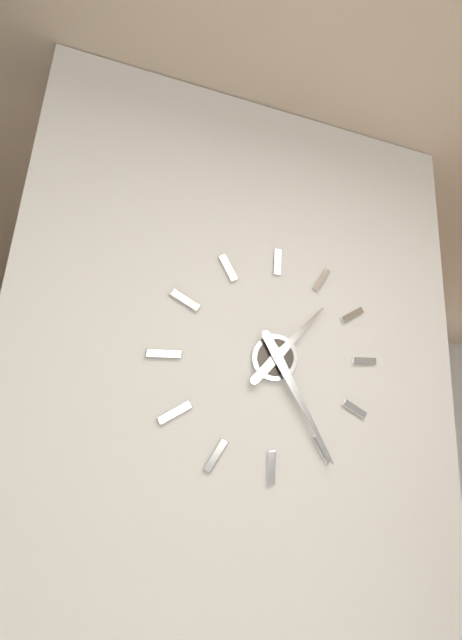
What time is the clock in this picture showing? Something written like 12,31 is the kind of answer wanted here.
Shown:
1,25
